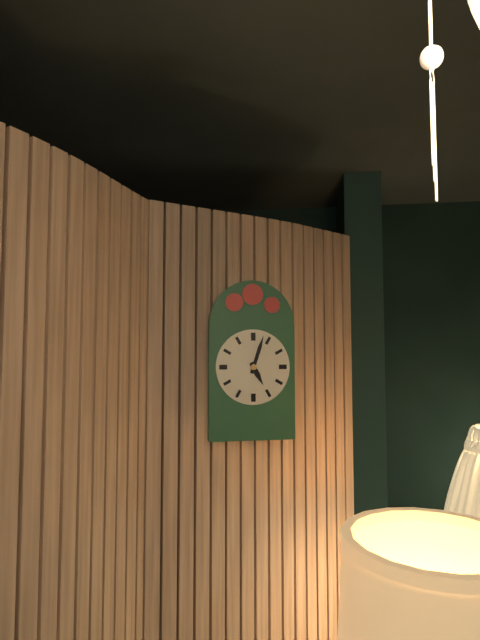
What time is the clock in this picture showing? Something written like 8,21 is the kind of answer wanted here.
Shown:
5,03
